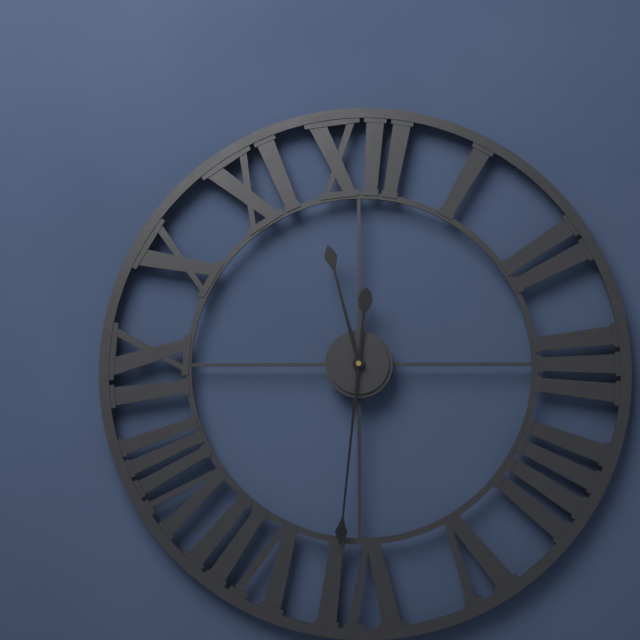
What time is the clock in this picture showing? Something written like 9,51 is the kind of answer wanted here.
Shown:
11,31
